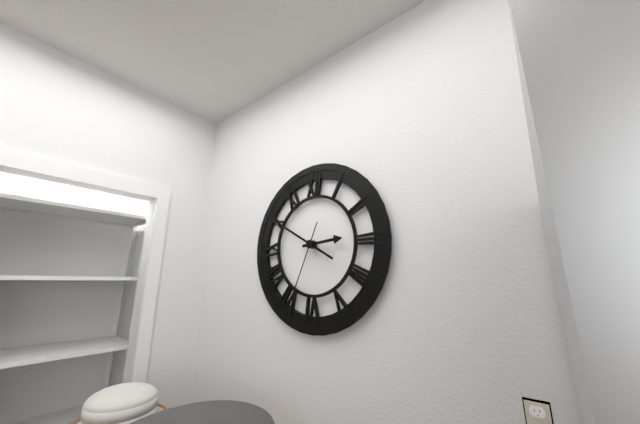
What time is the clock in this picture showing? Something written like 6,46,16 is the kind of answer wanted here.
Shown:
2,50,34
